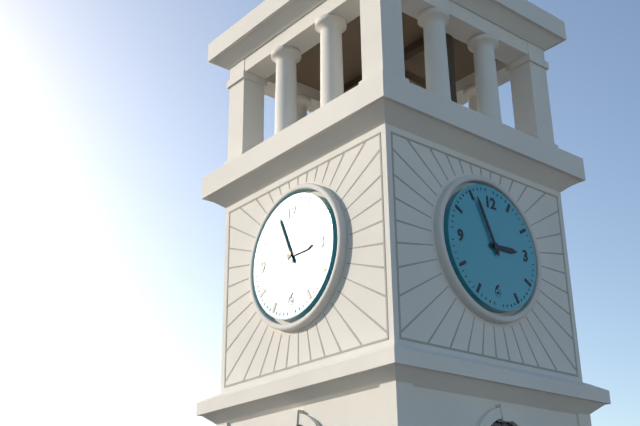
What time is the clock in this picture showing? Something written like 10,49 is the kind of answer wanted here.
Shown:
2,56
